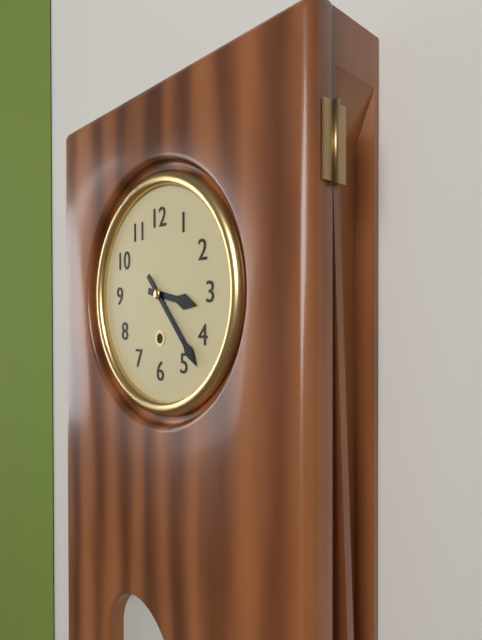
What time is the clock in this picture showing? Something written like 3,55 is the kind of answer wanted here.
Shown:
3,23
